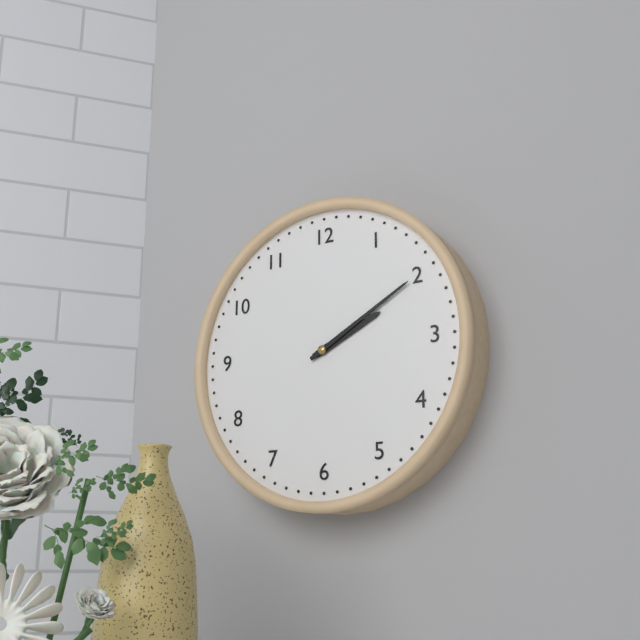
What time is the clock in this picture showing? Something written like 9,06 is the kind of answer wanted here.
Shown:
2,10
